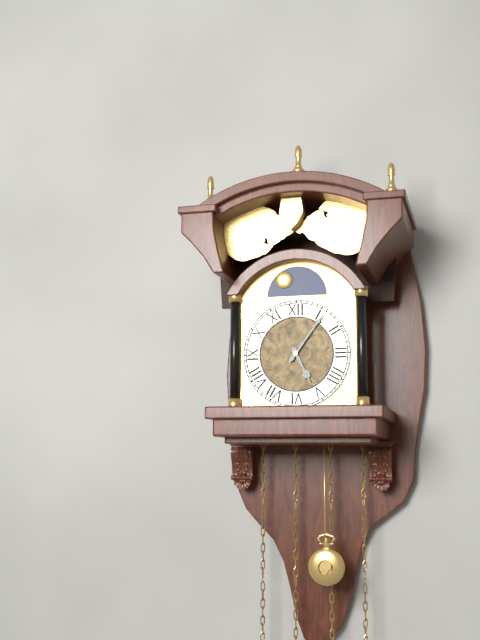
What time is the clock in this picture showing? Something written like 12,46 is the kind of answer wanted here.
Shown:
5,06
